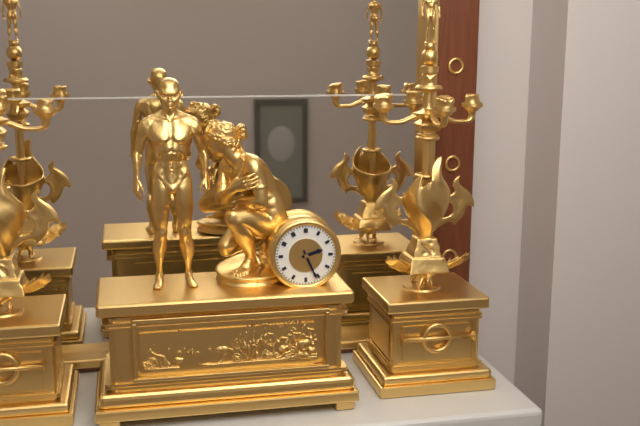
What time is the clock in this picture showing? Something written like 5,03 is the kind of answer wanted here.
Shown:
2,26
